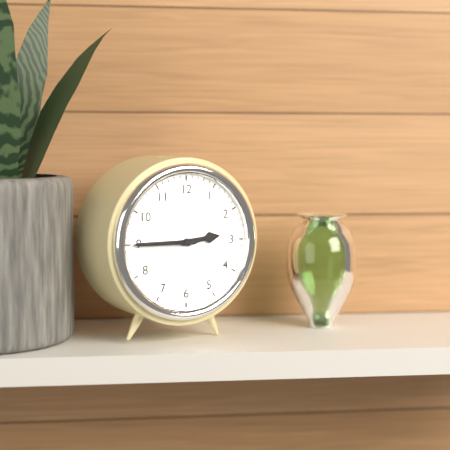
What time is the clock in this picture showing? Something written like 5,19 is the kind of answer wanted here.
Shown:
2,45
